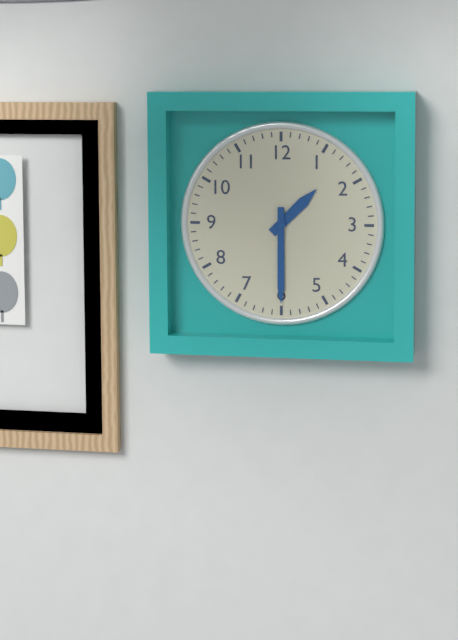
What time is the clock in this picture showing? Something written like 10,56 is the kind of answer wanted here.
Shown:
1,30
